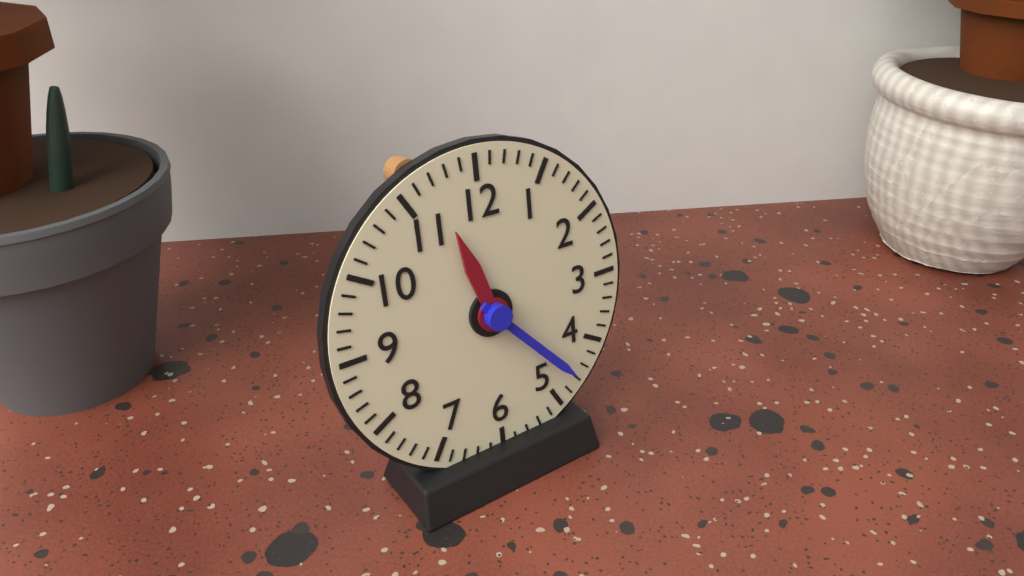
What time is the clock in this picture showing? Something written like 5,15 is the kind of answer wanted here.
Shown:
11,23
